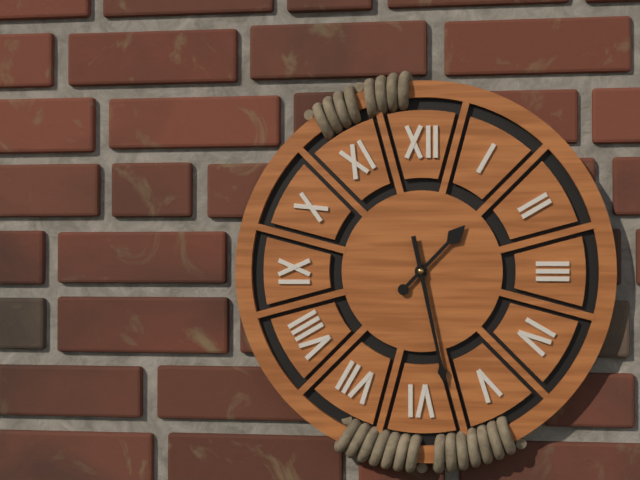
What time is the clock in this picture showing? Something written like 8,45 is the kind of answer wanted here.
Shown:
1,28
